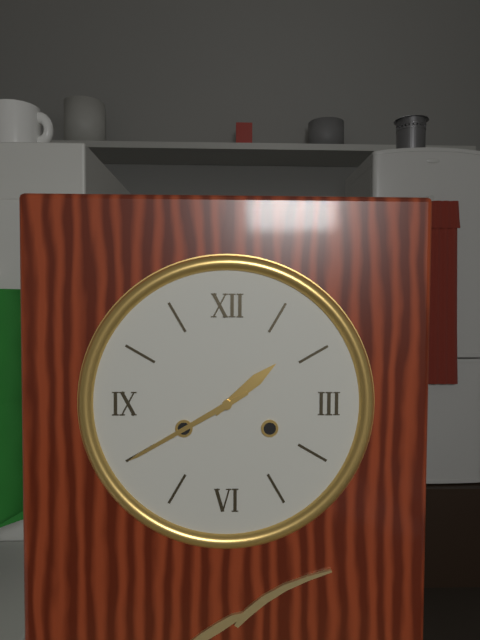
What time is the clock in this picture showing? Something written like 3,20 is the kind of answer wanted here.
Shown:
1,40
